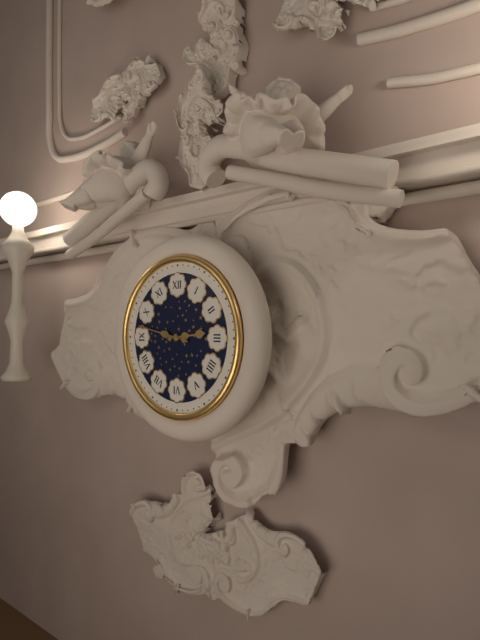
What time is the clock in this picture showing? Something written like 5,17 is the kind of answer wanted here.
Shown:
2,47
